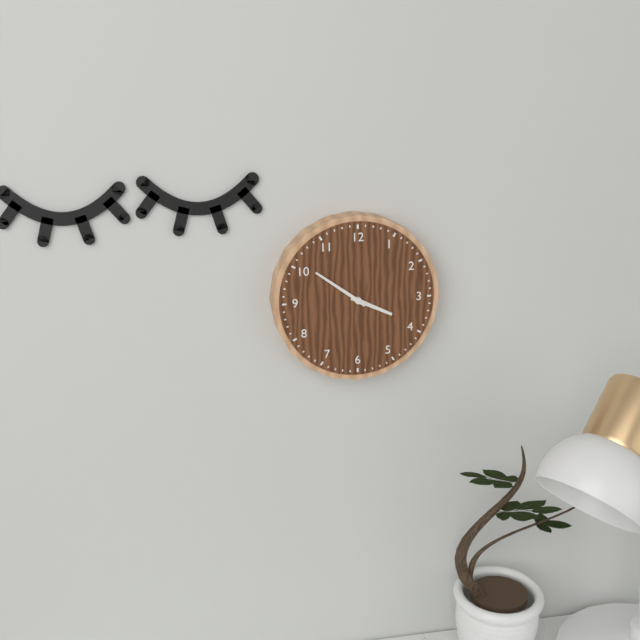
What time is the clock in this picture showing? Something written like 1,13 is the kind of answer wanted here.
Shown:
3,51
